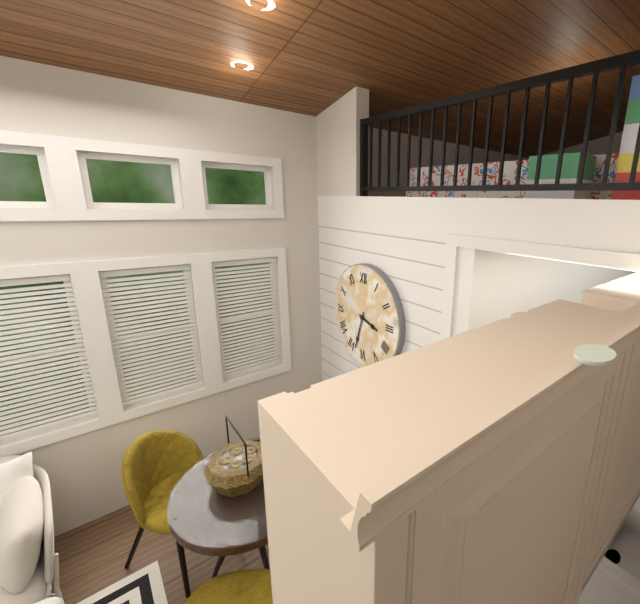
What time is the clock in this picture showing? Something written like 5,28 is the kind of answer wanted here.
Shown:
3,33
